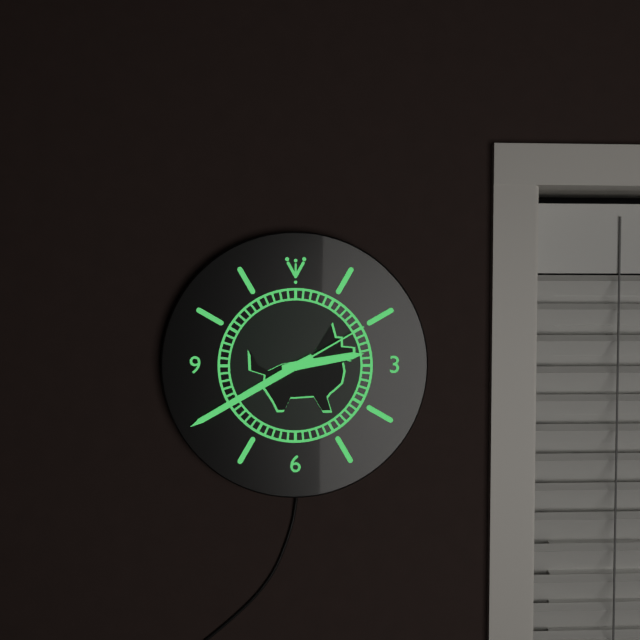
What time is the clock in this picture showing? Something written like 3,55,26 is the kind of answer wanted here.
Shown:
2,40,10
